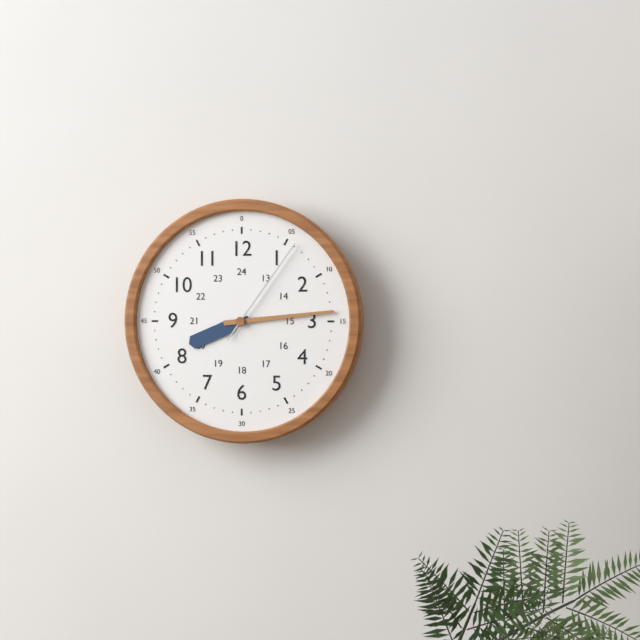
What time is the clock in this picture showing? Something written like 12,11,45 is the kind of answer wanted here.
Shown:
8,14,06
